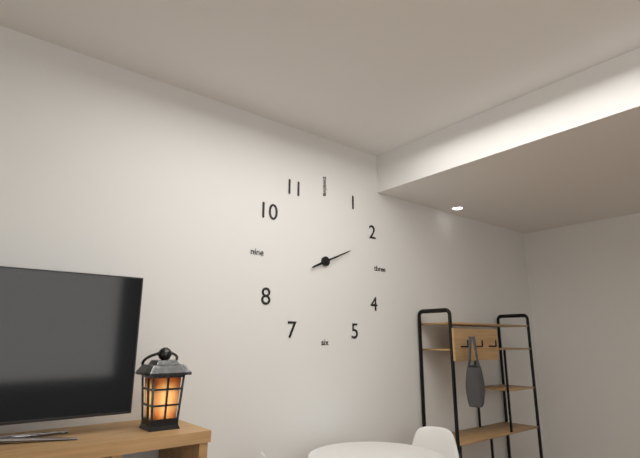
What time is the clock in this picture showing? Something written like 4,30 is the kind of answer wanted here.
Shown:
8,11
